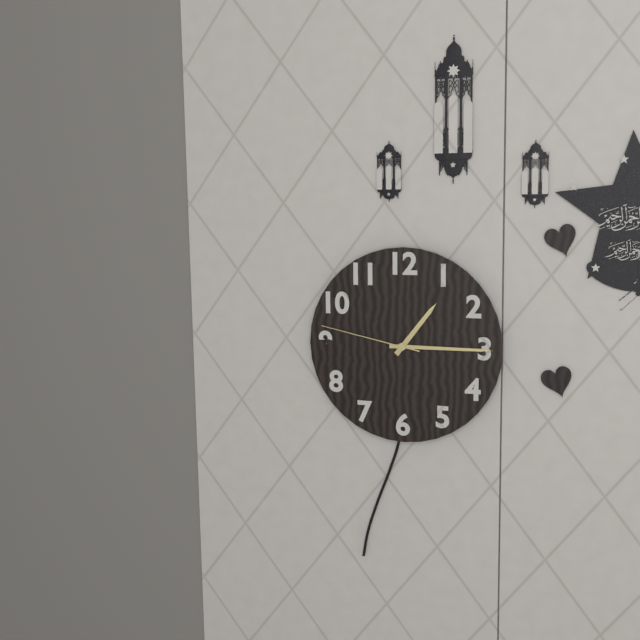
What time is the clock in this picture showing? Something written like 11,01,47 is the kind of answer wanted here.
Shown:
1,15,47
